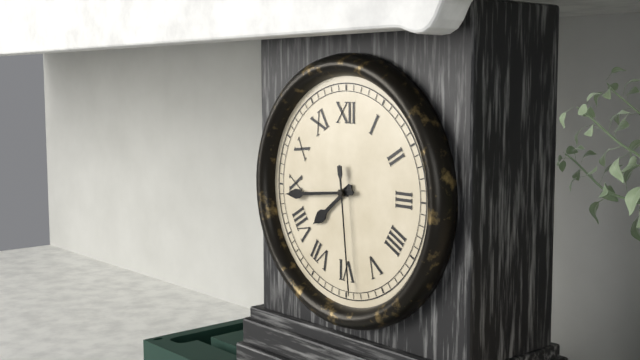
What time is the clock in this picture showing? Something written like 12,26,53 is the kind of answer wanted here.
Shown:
7,44,29
